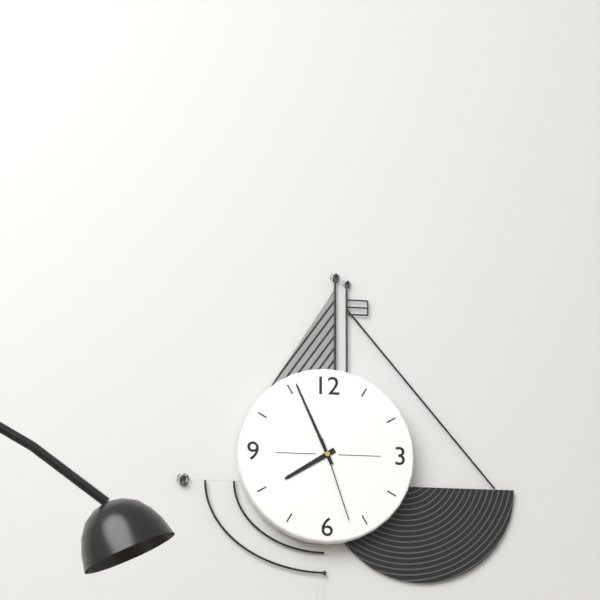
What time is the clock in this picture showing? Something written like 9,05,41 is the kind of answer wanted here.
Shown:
7,56,27
